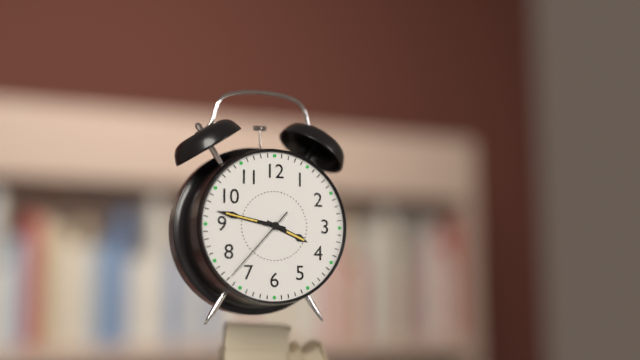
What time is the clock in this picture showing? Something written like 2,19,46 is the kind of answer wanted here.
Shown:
3,47,37
